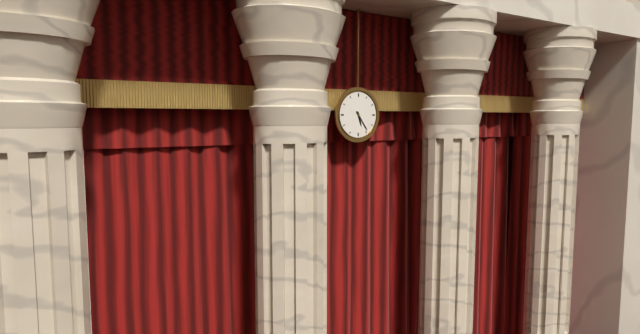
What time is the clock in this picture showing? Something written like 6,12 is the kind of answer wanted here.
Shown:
5,24
